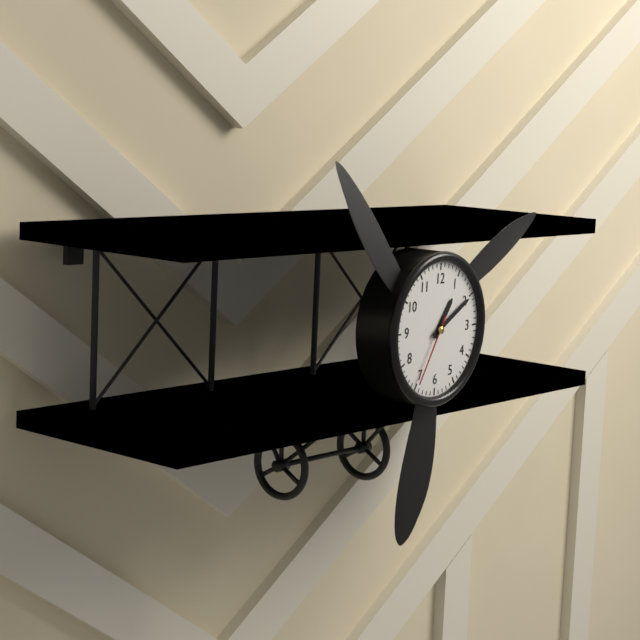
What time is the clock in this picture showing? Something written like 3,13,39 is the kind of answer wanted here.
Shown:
1,10,35
